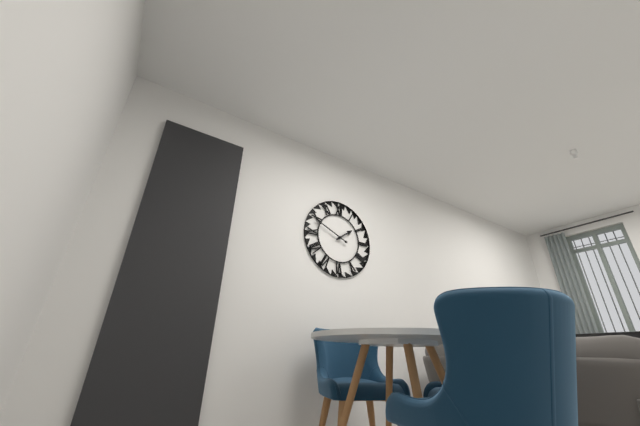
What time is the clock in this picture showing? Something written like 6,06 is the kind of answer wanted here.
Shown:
1,49
